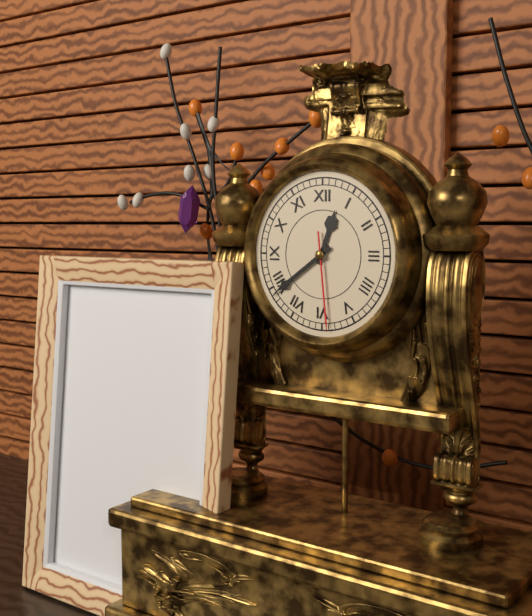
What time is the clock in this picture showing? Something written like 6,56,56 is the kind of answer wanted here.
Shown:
12,39,29
